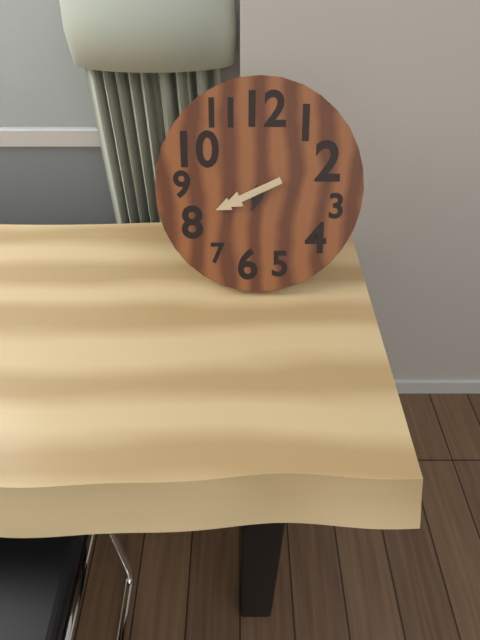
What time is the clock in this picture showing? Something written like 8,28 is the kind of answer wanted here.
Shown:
6,41
